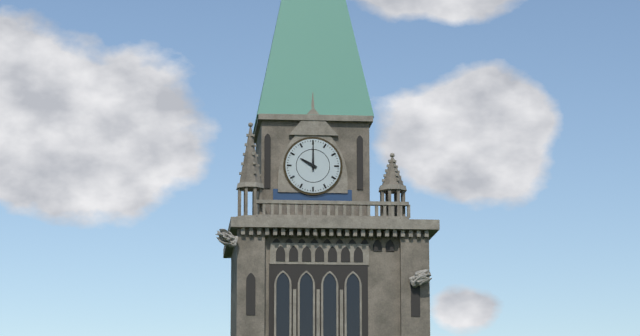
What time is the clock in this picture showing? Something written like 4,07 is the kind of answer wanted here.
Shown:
10,00
